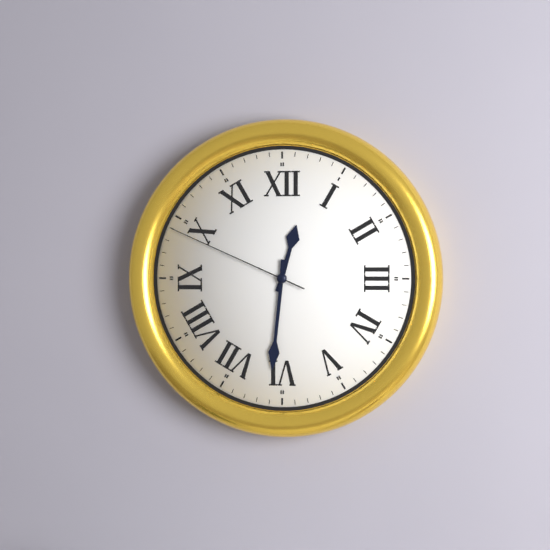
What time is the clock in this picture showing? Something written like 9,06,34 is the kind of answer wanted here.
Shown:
12,31,49
